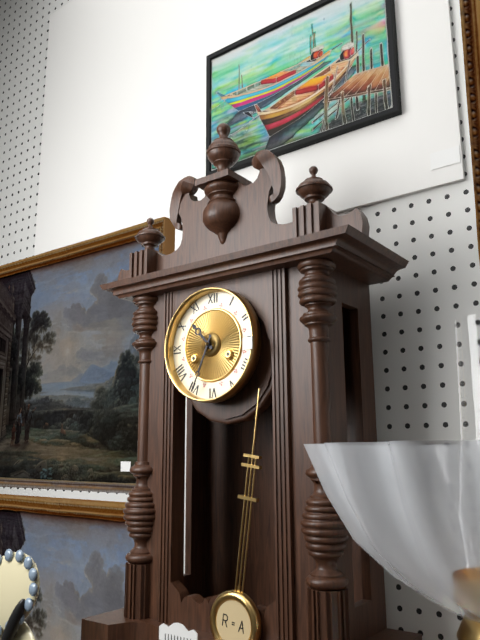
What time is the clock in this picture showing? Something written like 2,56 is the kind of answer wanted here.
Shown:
10,34
